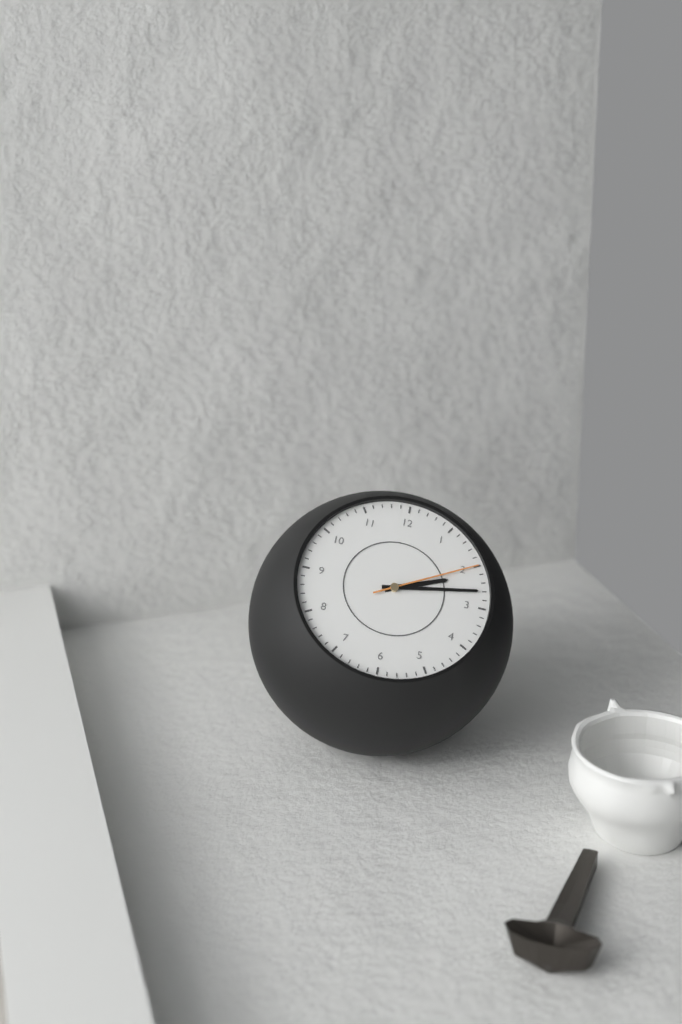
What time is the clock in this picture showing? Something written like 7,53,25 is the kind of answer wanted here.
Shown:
2,13,10
